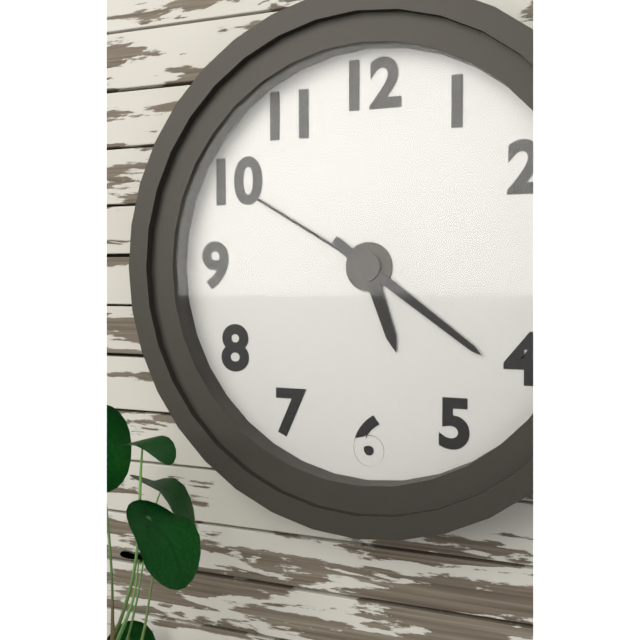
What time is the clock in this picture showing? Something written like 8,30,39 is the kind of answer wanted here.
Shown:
5,21,50
